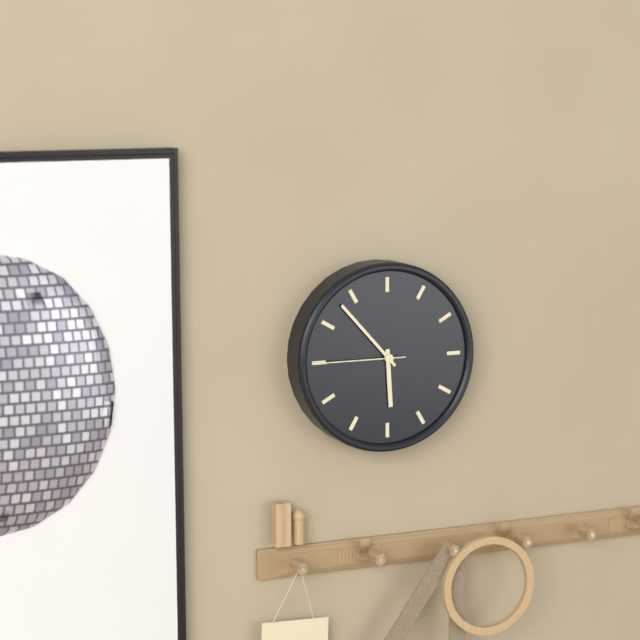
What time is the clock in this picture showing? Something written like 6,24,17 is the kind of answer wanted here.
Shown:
5,53,45
